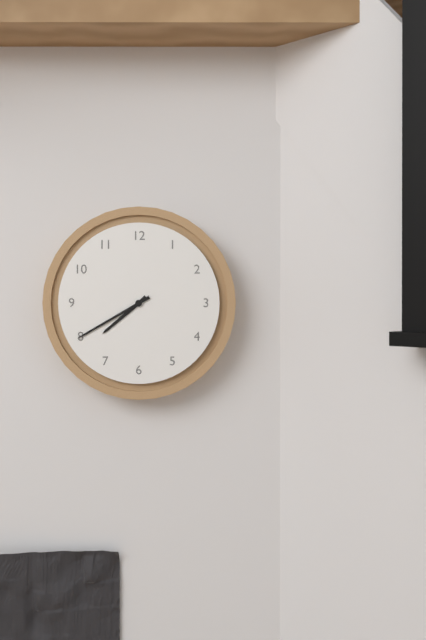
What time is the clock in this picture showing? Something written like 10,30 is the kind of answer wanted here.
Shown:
7,40
